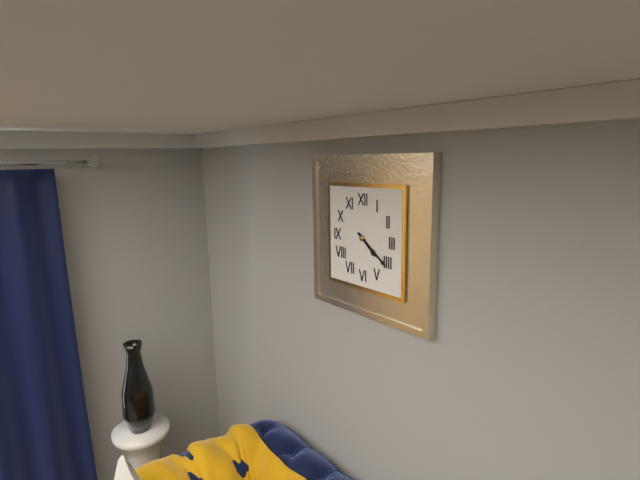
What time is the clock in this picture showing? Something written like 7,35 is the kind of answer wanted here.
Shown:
4,21
